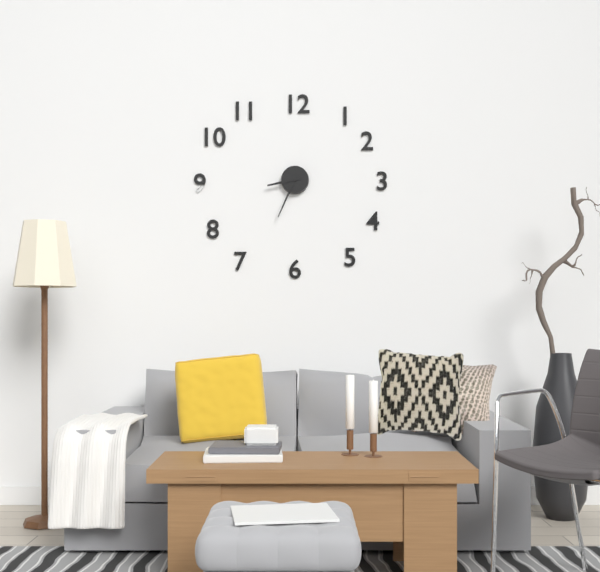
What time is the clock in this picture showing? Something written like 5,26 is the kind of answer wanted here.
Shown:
8,34
